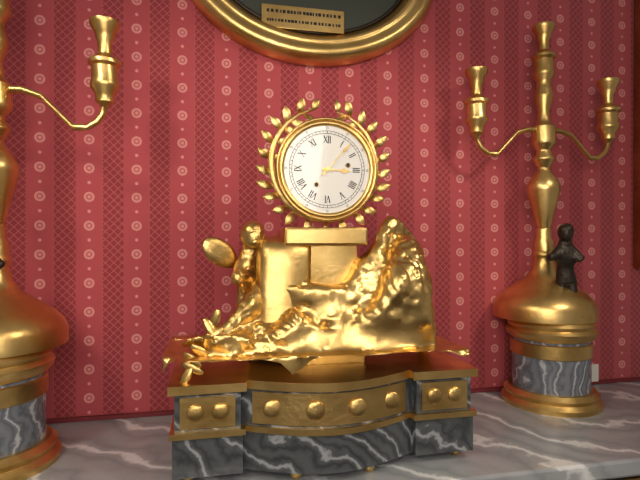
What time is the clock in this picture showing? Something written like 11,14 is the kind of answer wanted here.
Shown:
3,07
